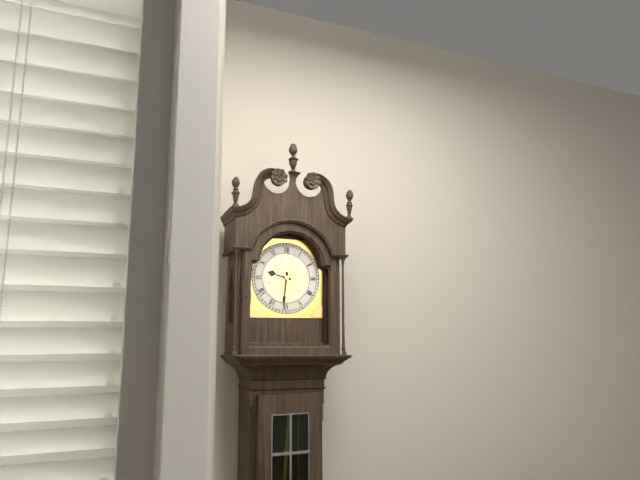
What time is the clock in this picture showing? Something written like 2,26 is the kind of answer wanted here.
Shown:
9,31
